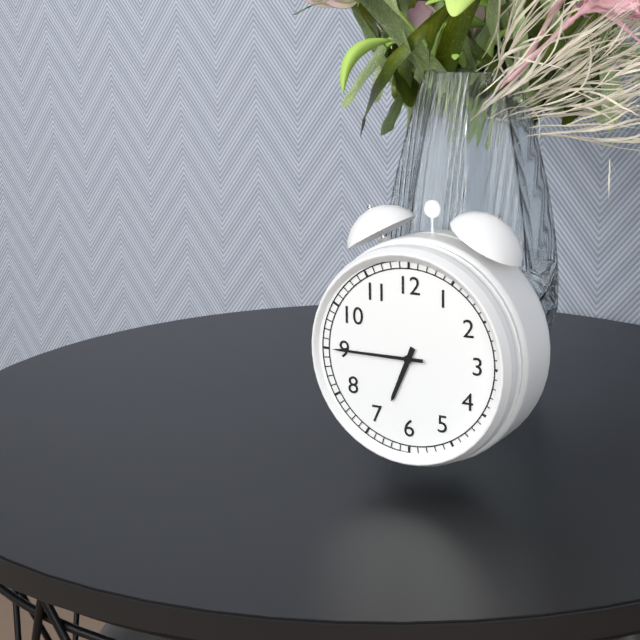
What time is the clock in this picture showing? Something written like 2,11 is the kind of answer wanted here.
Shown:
6,45
